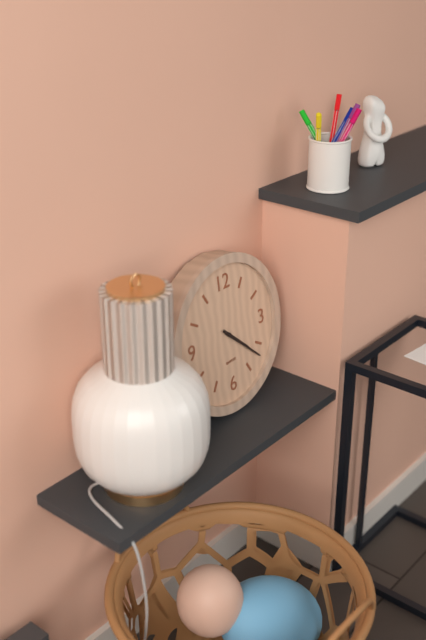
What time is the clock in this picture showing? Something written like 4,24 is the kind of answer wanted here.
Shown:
4,22
